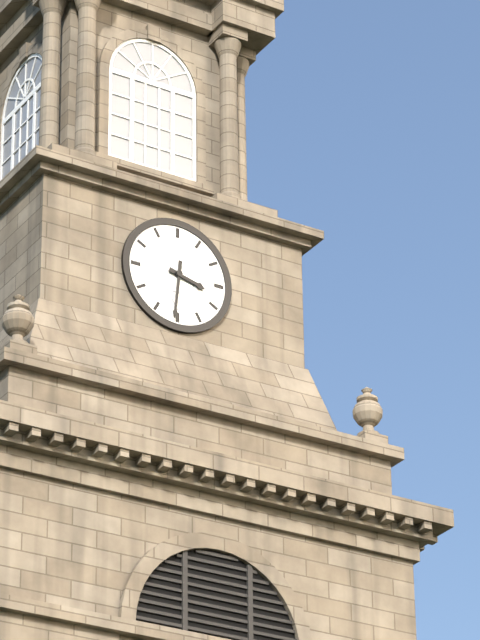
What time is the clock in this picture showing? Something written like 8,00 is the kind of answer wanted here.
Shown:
3,31
